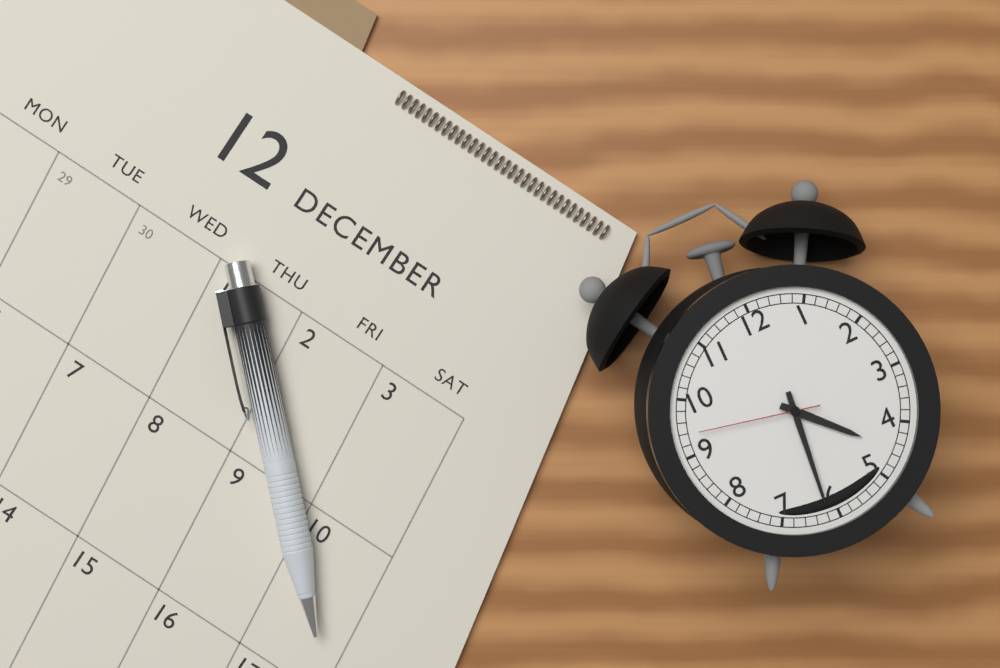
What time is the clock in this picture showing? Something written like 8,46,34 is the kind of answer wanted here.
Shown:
4,31,47
